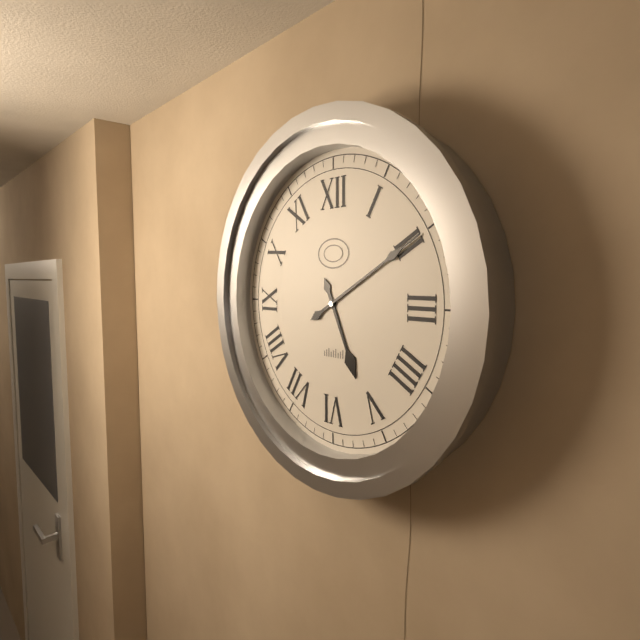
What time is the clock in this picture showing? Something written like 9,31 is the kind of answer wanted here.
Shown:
5,10
